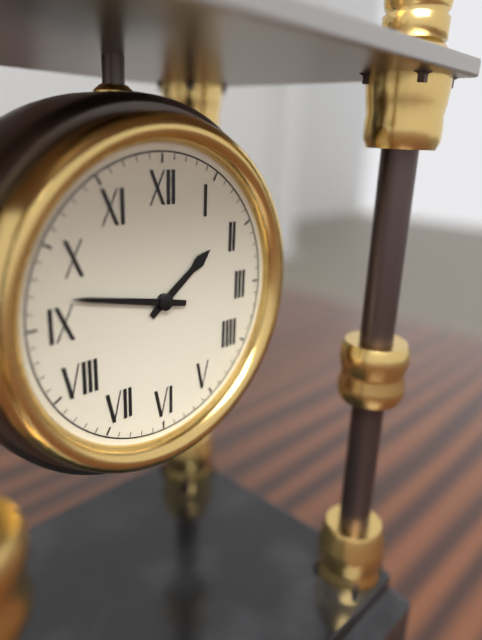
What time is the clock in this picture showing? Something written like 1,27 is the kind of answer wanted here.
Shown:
1,47
